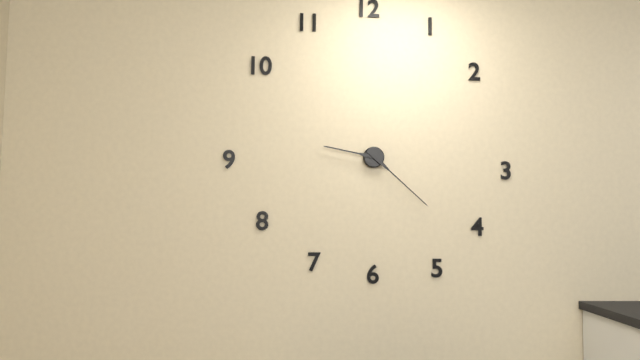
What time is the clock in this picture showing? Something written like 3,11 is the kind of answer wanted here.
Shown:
9,22
